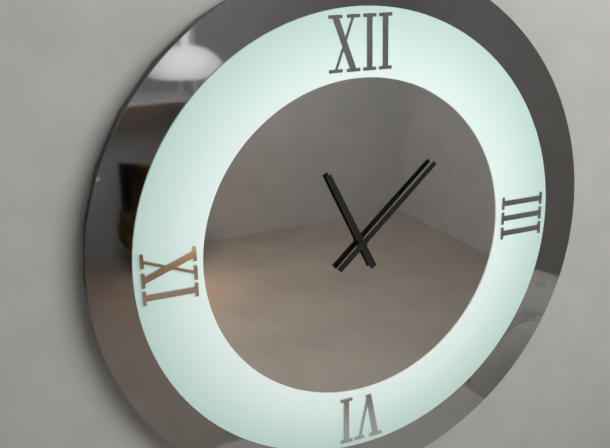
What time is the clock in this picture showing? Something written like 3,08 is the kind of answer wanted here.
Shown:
11,08
